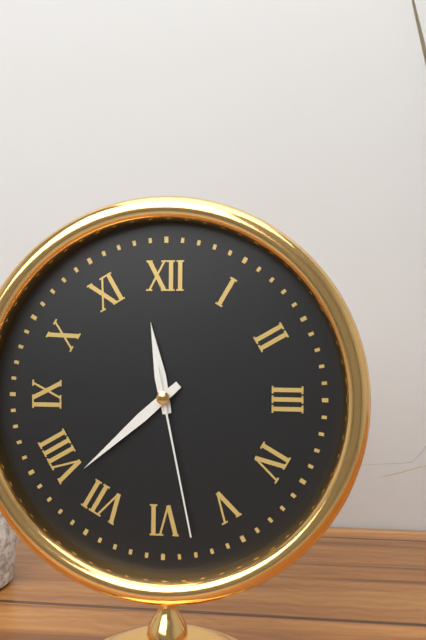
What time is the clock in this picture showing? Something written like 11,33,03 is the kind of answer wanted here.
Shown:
11,38,28
